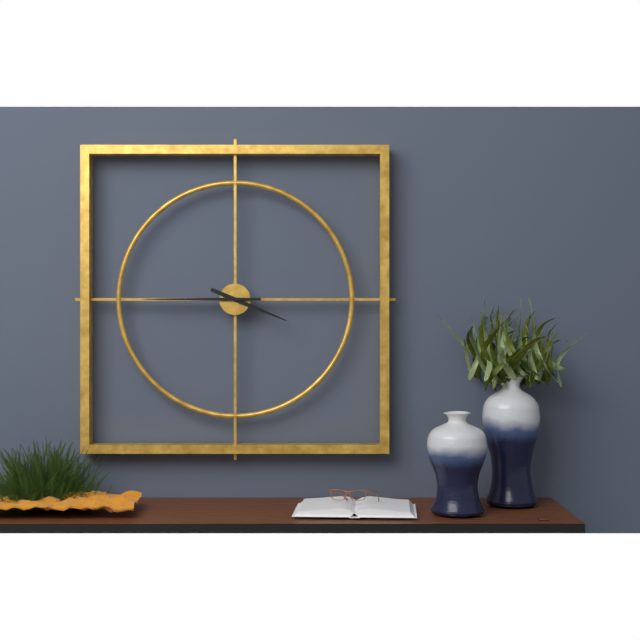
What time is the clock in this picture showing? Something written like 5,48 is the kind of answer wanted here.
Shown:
3,45
